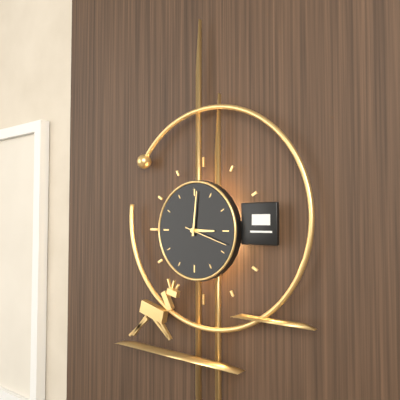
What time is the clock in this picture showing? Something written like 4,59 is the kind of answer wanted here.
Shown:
3,01
